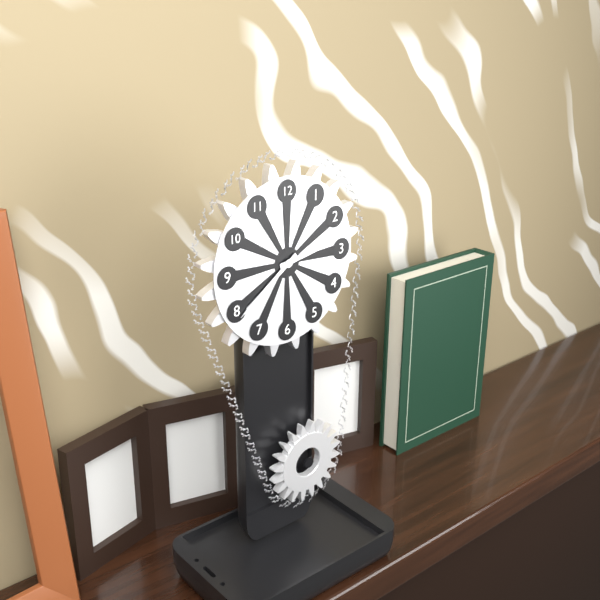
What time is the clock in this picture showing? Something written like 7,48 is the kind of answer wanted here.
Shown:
2,39
